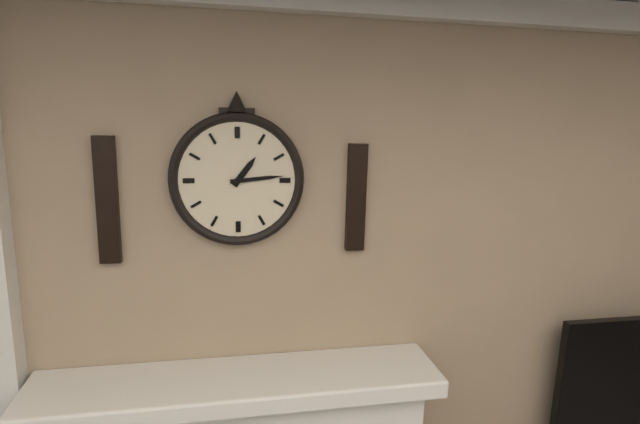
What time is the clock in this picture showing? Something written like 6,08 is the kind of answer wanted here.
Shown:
1,14
